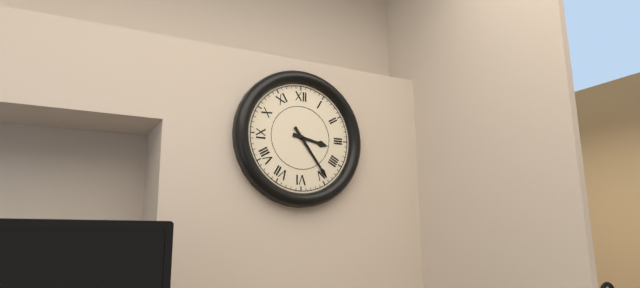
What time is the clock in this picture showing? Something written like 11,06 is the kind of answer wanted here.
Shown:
3,24
